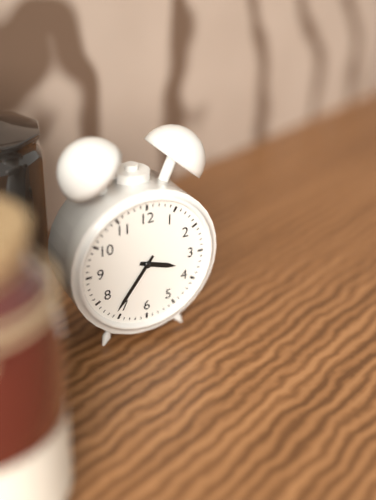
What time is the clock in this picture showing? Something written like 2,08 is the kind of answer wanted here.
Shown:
3,36
